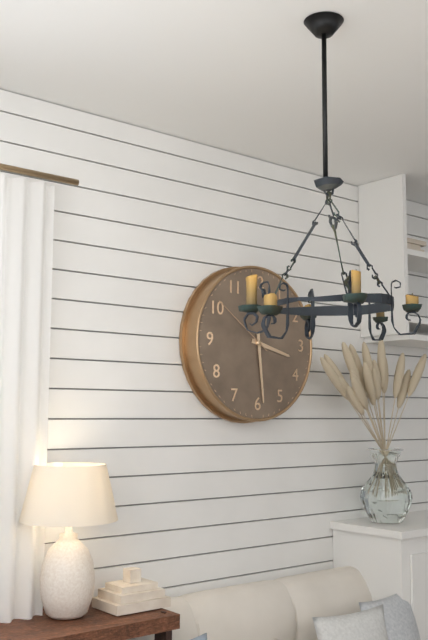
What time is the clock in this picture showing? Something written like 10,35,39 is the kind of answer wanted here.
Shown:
3,29,51
